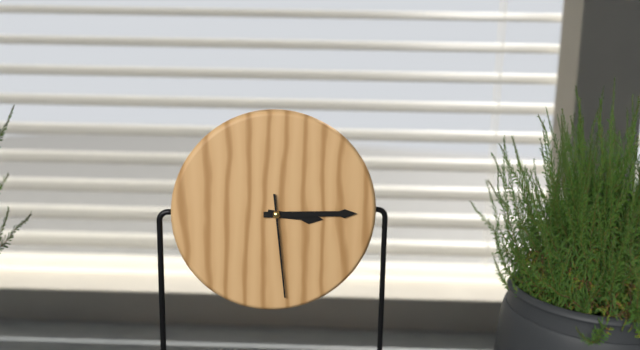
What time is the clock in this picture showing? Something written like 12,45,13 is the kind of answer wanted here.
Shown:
3,15,29
